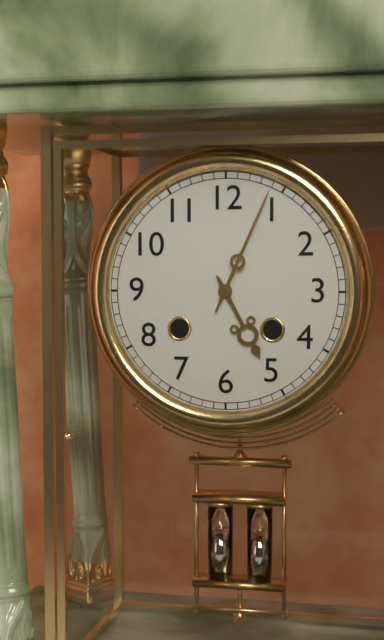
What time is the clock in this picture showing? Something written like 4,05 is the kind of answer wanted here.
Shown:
5,04
